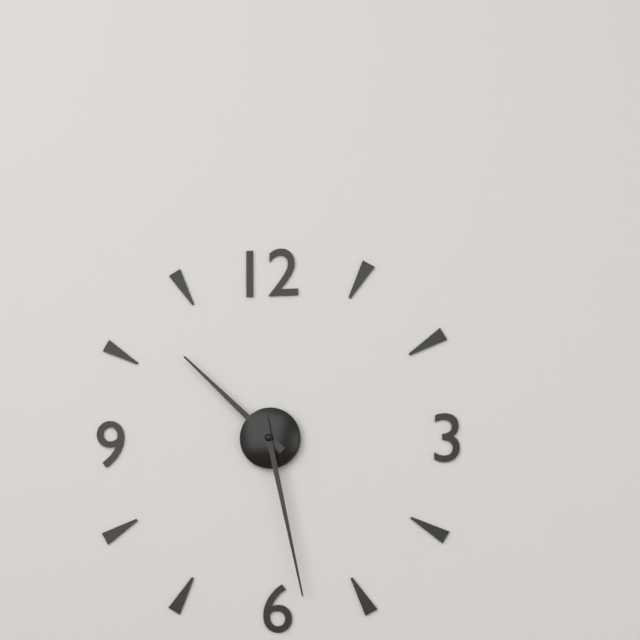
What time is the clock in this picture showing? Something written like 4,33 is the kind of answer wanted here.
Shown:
10,28
